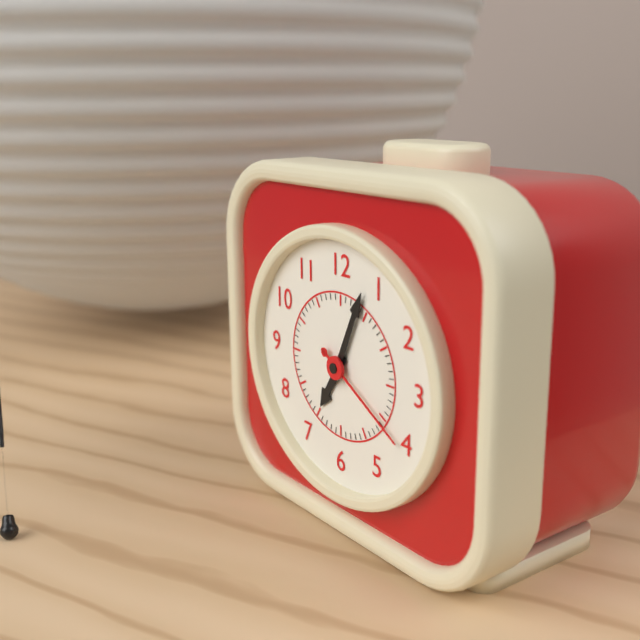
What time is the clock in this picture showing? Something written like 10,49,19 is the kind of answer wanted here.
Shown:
7,04,20
